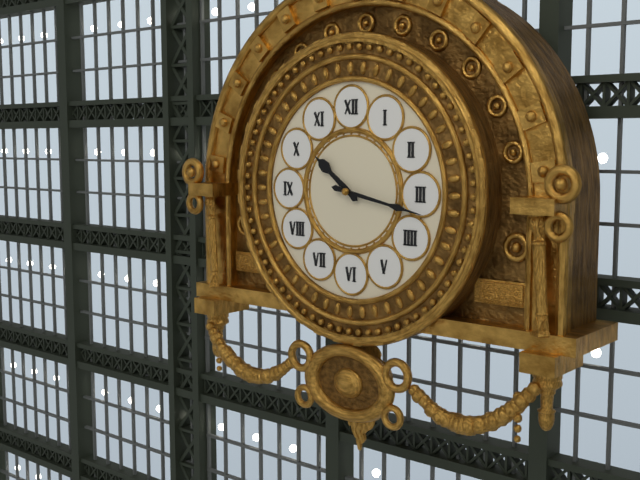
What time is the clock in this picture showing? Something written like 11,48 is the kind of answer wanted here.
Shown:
10,17
